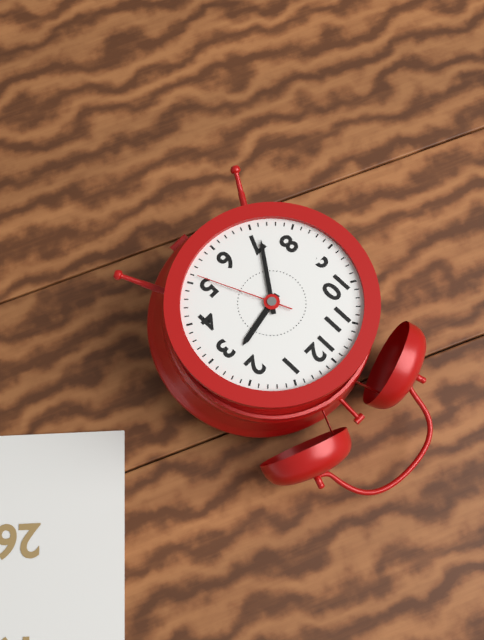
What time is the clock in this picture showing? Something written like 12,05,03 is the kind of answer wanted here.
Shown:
2,36,26
